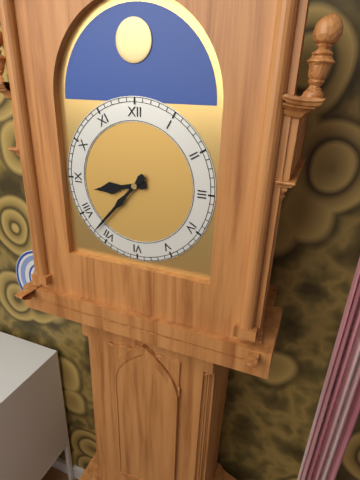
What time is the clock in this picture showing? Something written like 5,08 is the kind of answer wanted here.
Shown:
8,37
